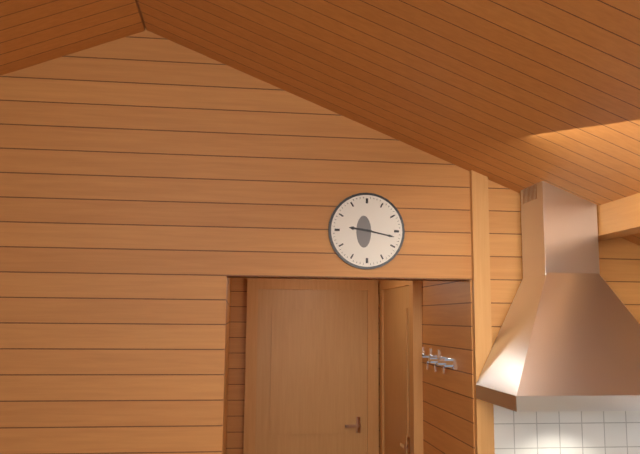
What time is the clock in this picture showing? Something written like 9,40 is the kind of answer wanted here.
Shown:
9,17
